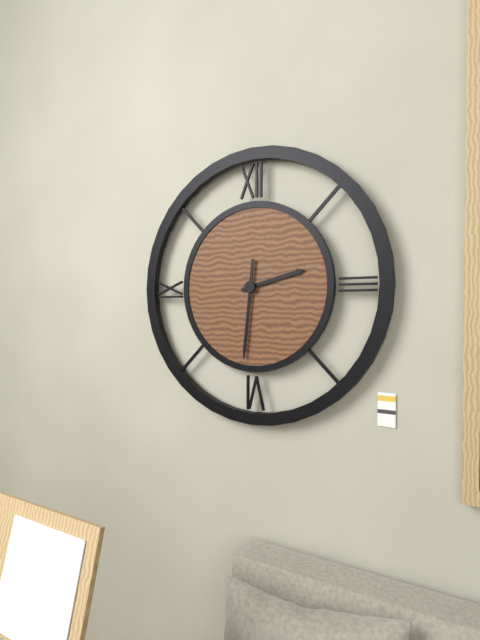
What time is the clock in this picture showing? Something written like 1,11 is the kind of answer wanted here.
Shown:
2,31
